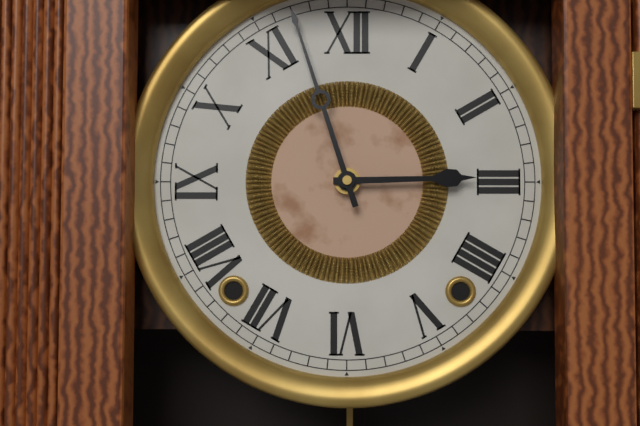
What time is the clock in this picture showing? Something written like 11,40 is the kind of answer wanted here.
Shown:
2,57
